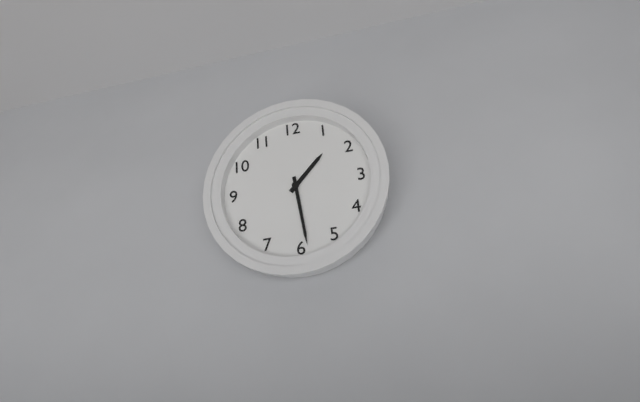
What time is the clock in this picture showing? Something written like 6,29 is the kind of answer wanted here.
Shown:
1,29
